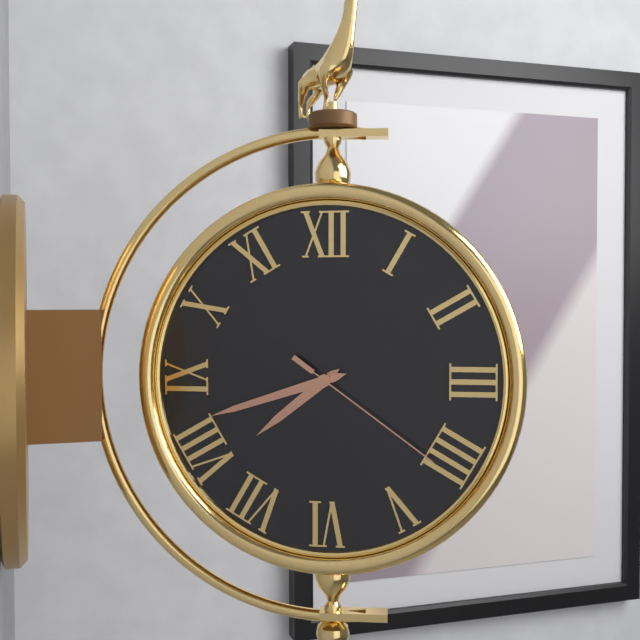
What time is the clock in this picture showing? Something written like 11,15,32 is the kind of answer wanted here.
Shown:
7,42,21
